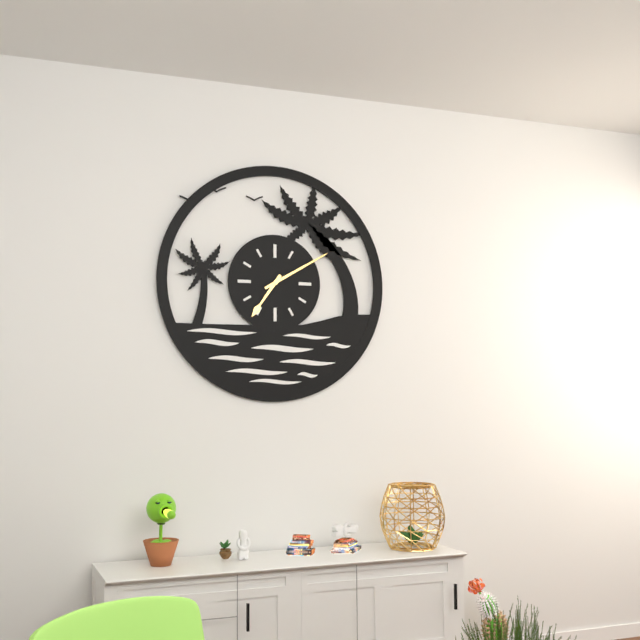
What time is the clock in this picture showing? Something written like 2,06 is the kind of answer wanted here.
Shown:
7,10
